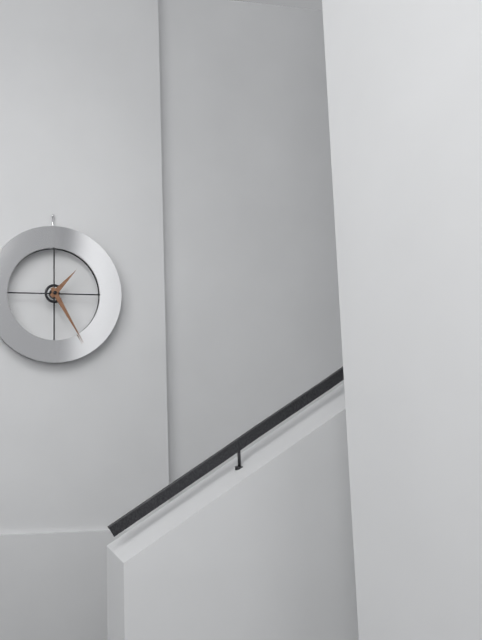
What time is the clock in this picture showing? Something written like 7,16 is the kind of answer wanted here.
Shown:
1,25
